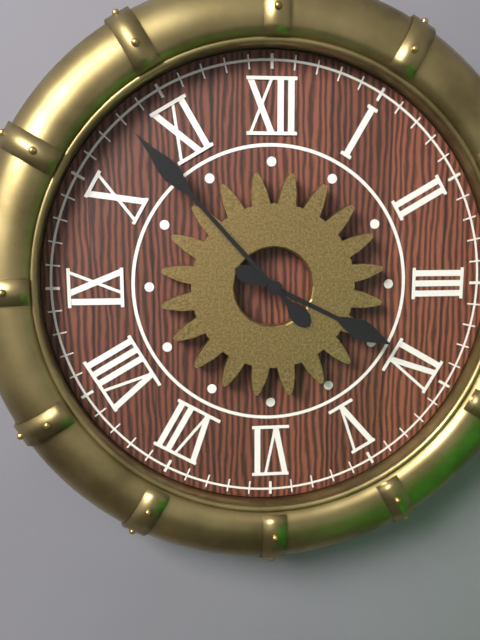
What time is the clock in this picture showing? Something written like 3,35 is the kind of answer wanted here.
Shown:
3,53
